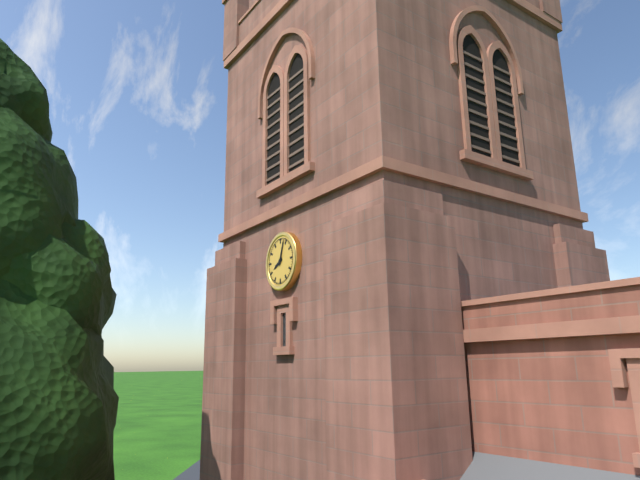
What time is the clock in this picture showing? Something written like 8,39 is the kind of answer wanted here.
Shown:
8,03
